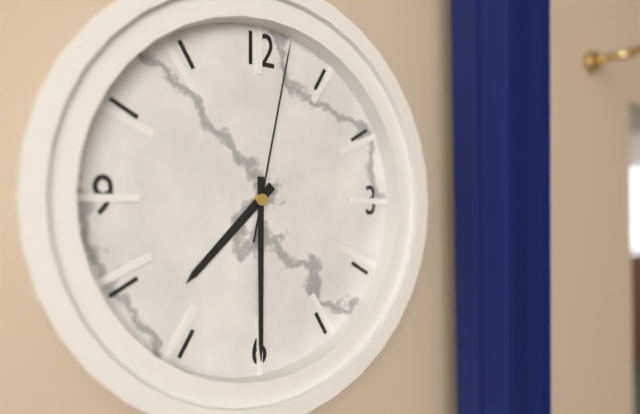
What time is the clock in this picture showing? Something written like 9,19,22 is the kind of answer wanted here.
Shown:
7,30,02
